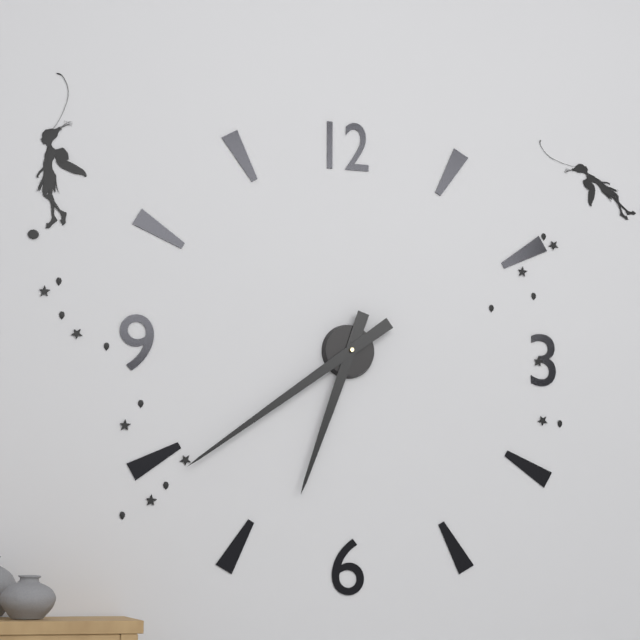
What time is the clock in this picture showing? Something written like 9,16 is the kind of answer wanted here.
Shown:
6,39
